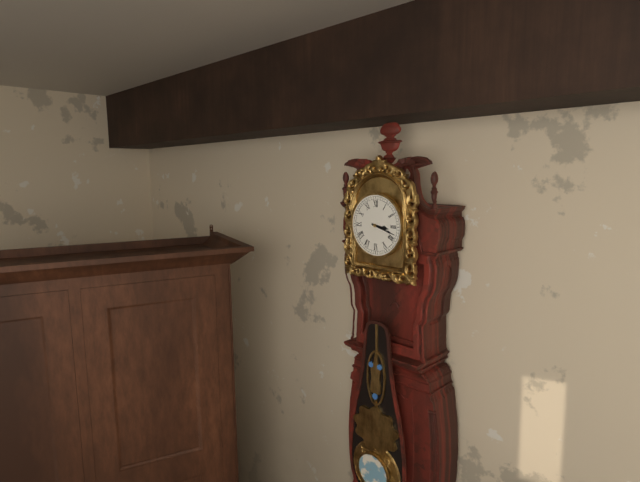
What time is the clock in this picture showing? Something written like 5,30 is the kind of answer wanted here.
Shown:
3,18
